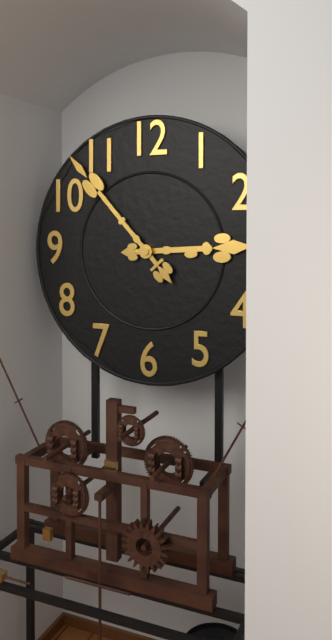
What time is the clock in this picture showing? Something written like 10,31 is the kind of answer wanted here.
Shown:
2,53
